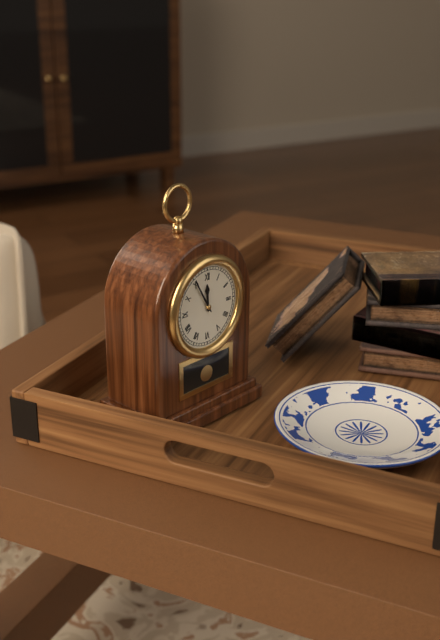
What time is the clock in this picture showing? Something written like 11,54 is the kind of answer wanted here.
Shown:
11,55
